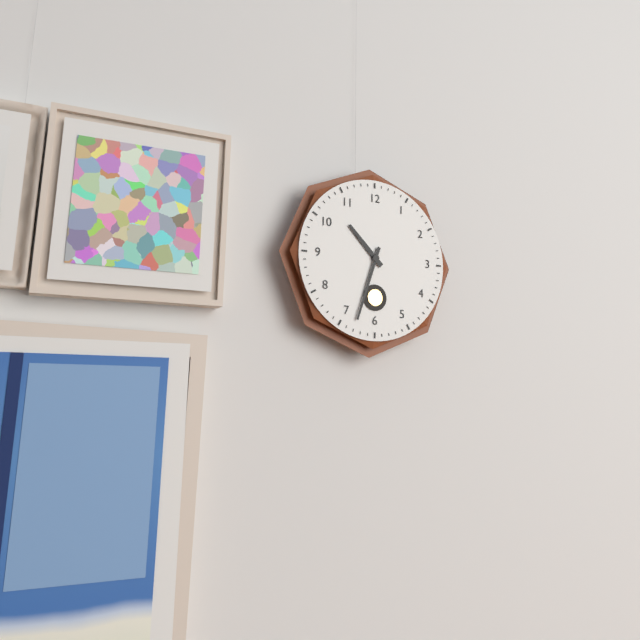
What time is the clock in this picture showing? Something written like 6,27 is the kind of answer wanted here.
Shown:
10,33
